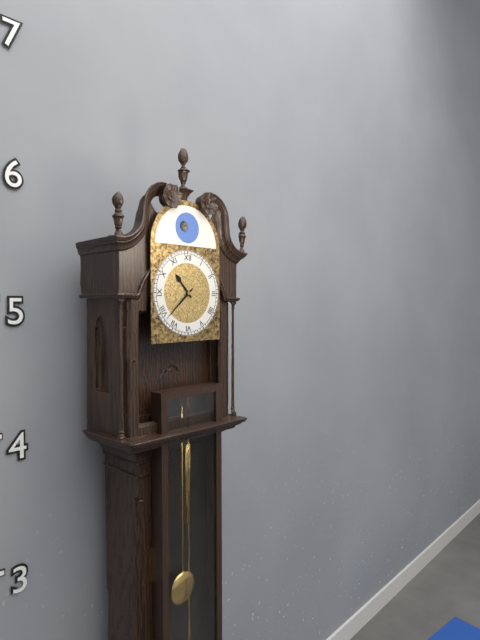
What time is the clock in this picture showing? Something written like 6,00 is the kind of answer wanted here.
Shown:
10,38
